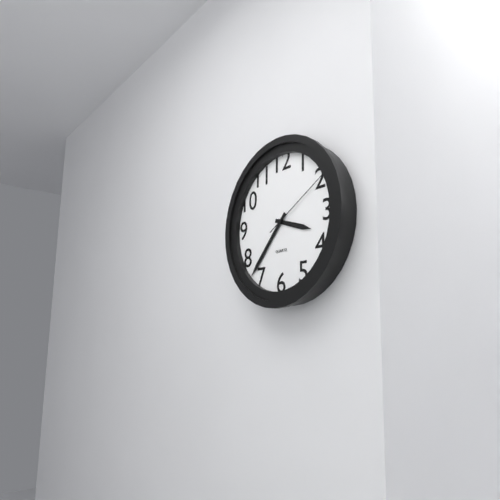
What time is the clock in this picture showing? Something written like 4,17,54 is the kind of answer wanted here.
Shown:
3,37,10
